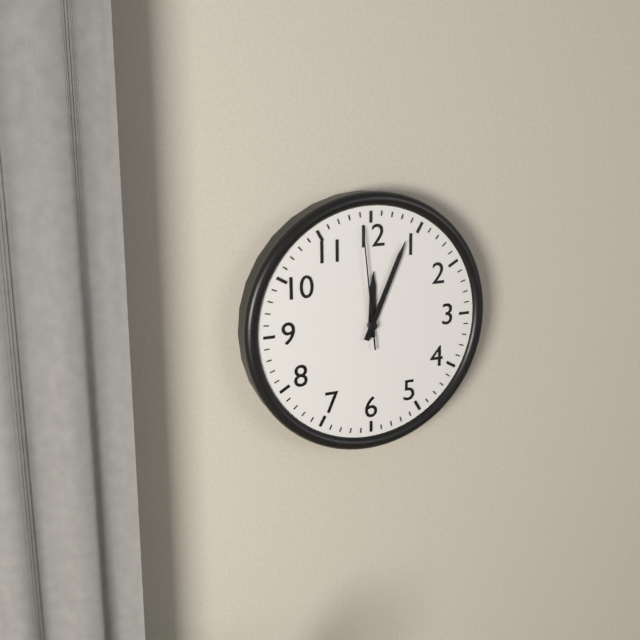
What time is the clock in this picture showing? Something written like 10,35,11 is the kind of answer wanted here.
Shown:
12,04,59
